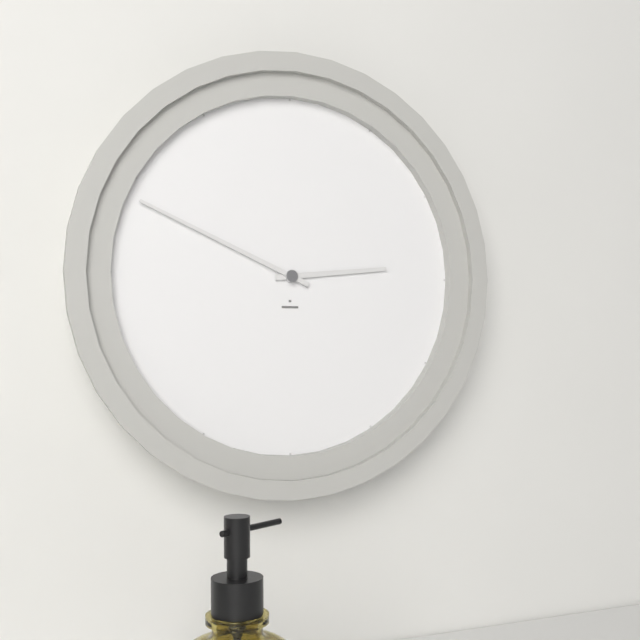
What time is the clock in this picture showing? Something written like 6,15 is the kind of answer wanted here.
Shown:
2,49
